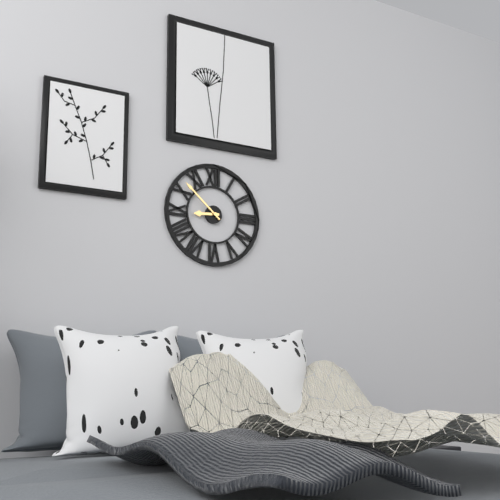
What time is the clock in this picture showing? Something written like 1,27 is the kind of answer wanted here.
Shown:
8,52
